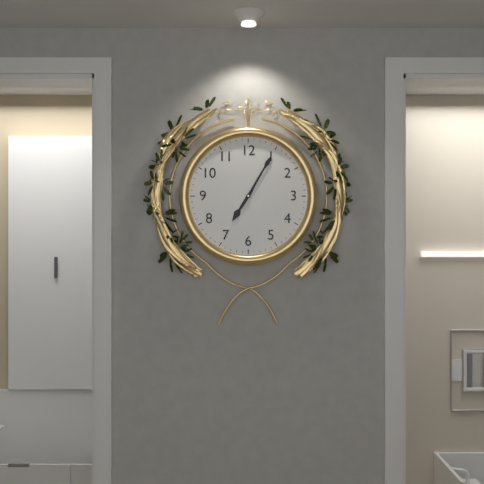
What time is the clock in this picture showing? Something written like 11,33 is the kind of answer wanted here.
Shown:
7,05
